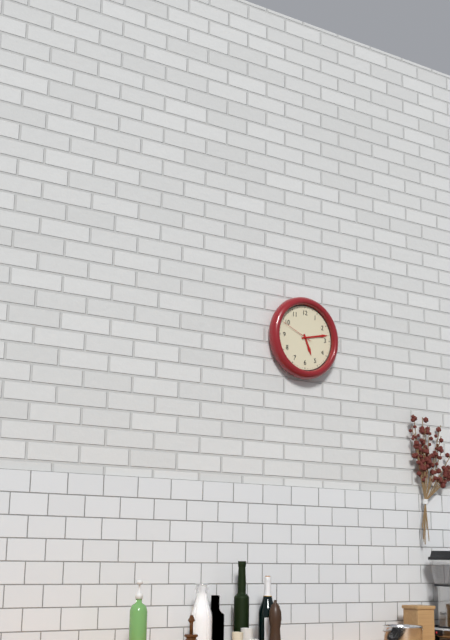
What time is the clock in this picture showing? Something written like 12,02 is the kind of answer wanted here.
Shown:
5,13
